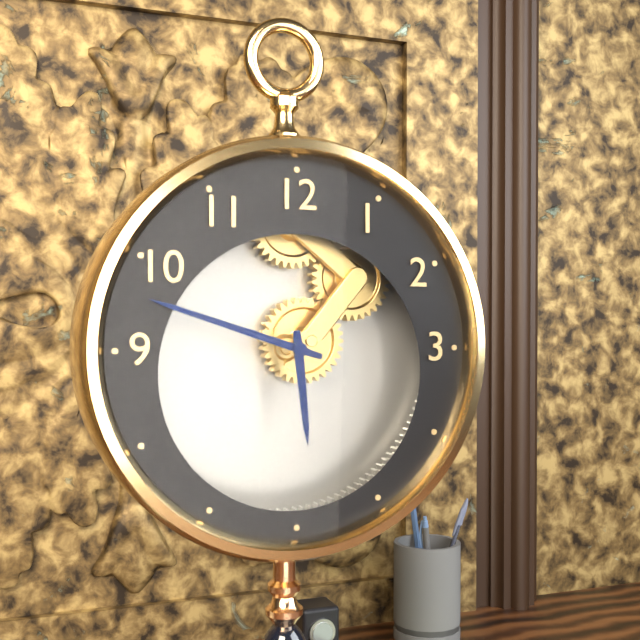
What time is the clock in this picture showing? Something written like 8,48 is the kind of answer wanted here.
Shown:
5,48
